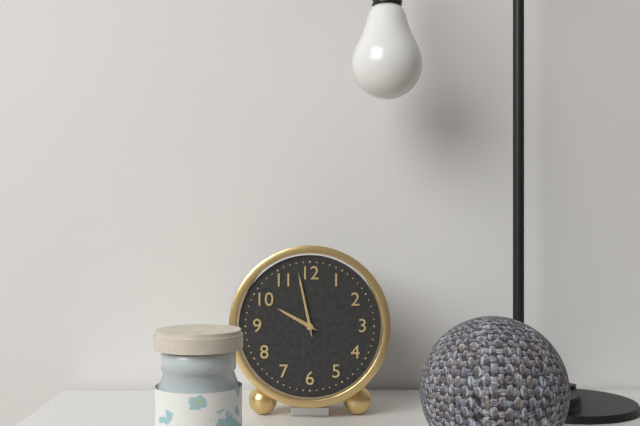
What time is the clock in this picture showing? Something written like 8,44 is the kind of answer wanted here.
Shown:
9,58
